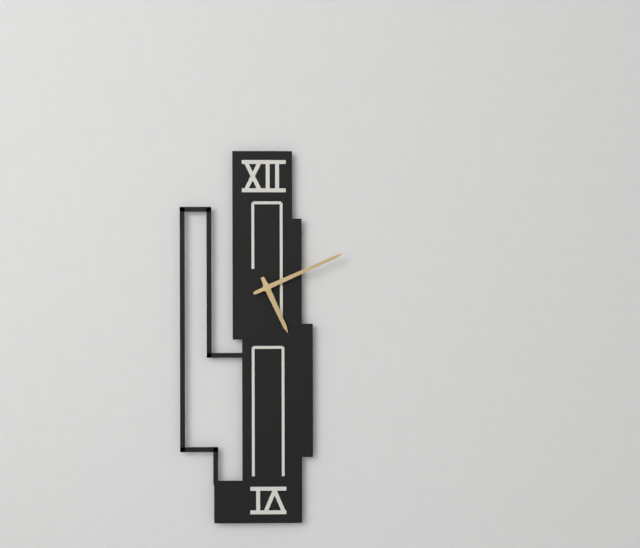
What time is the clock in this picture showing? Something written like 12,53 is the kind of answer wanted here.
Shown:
5,11
